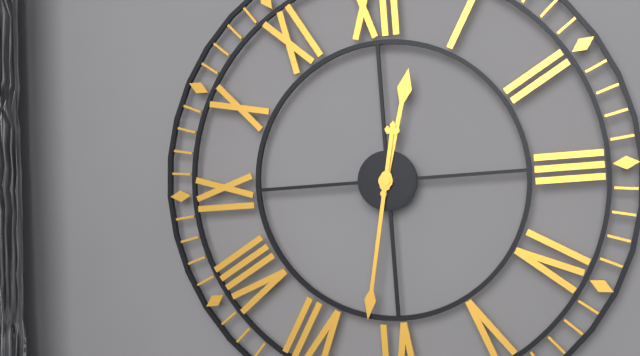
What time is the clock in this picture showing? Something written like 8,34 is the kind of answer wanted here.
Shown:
12,32
